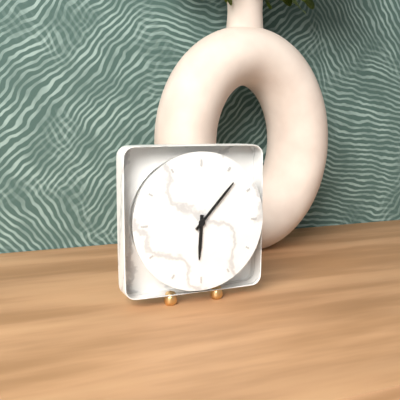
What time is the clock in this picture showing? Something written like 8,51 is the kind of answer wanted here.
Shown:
6,07
